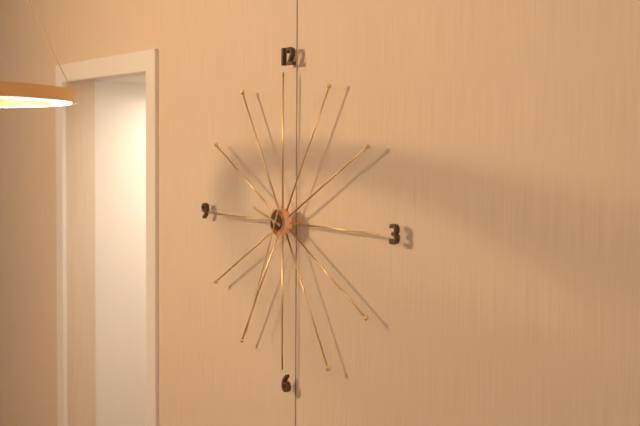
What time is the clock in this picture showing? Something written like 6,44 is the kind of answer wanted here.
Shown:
9,34
